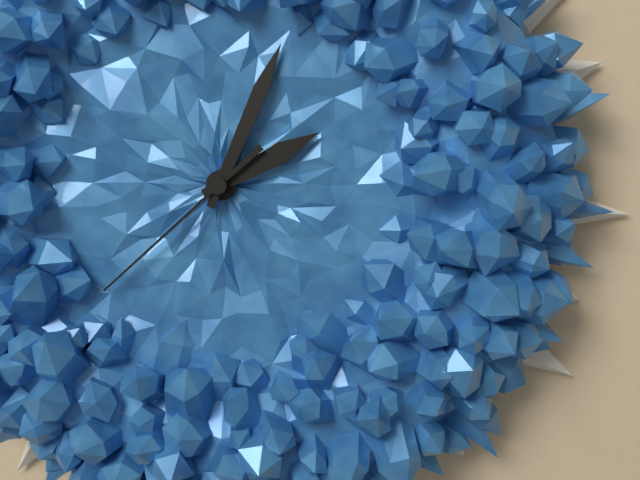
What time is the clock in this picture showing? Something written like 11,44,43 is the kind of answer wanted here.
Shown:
2,04,38
